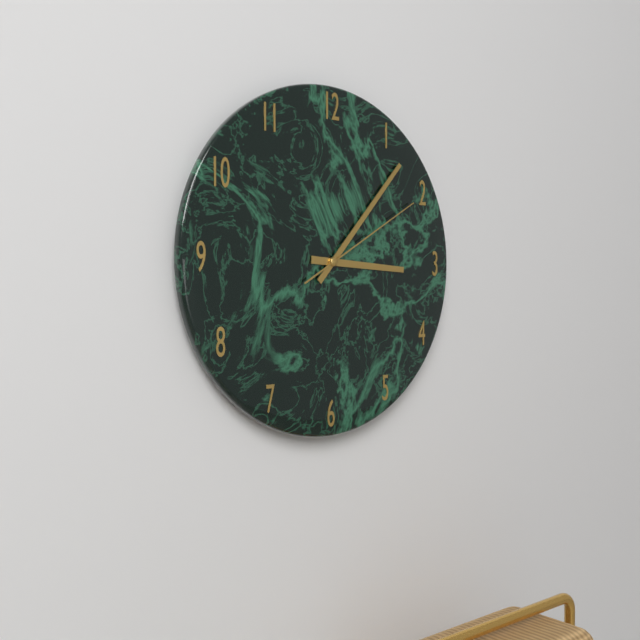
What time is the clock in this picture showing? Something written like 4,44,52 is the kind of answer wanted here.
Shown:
3,07,10
